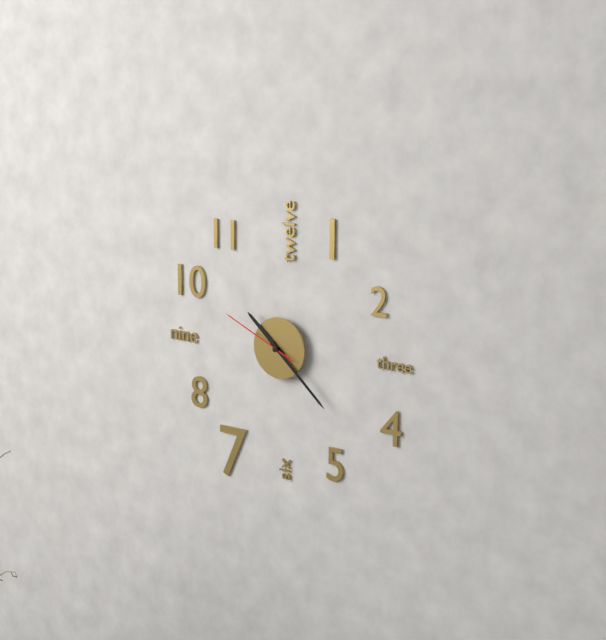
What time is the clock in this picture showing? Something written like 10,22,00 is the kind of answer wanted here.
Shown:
10,22,49
